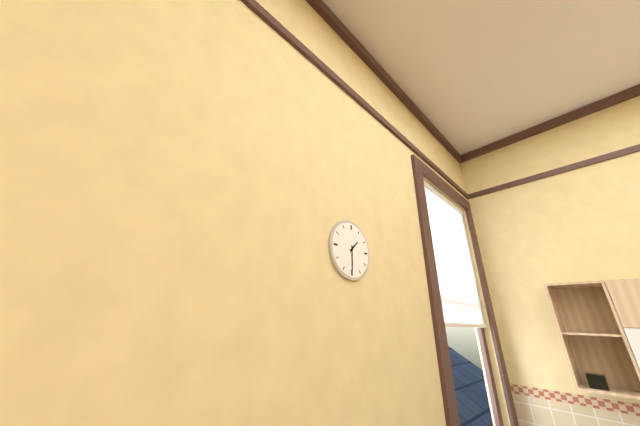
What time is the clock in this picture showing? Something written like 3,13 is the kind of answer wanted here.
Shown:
1,30
